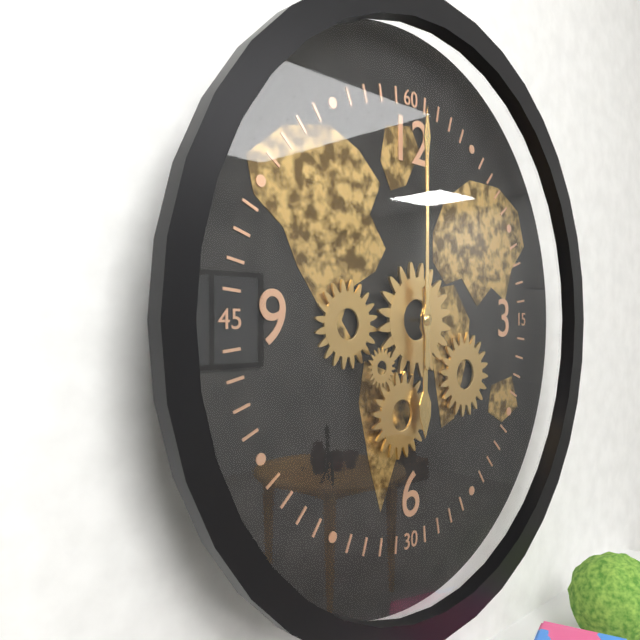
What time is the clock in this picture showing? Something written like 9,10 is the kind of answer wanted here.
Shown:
6,00
